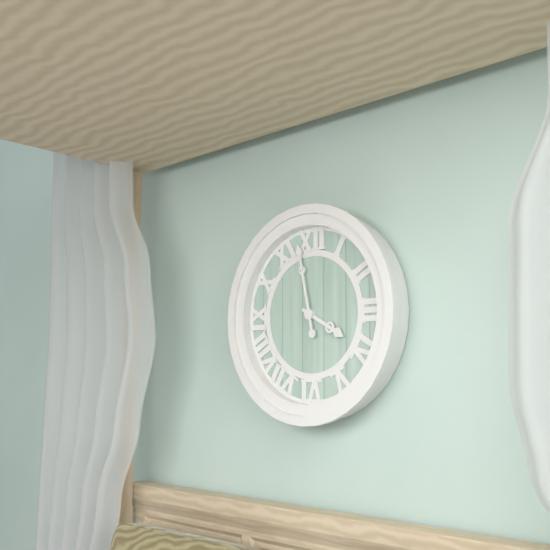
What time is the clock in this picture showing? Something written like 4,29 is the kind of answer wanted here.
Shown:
3,58
